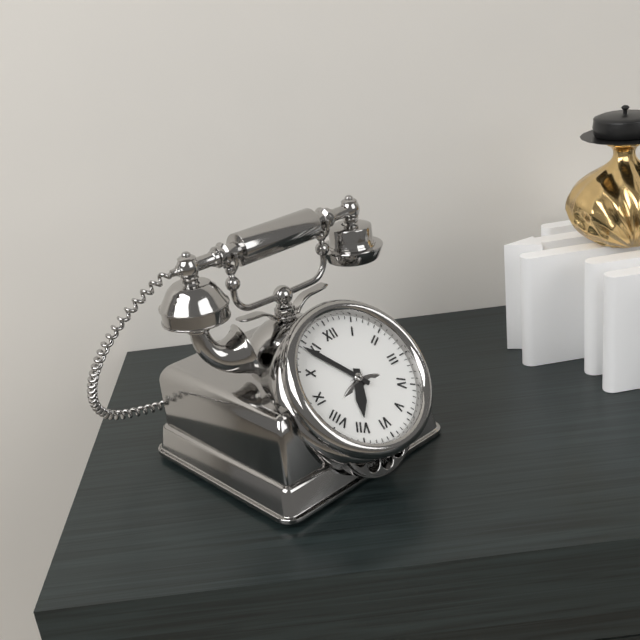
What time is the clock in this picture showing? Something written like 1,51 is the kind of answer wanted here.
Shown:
6,54
